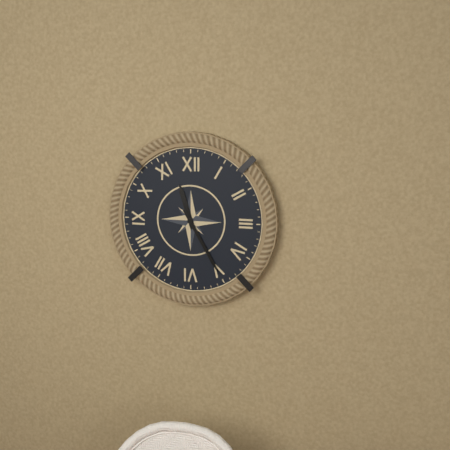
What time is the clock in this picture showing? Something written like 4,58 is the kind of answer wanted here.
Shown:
11,25
